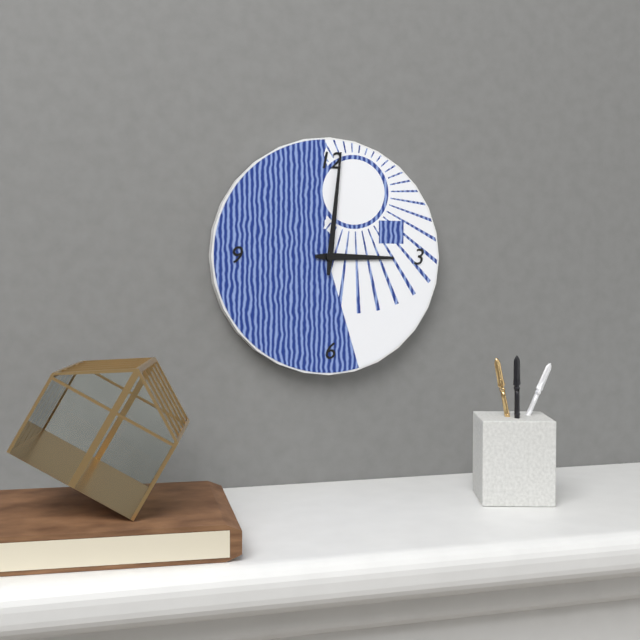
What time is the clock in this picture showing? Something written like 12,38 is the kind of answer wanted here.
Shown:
3,01
